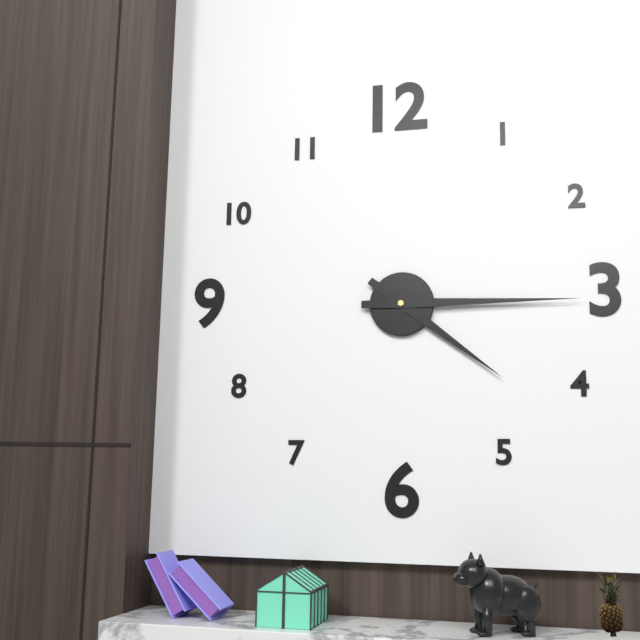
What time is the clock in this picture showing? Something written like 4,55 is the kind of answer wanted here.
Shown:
4,15
